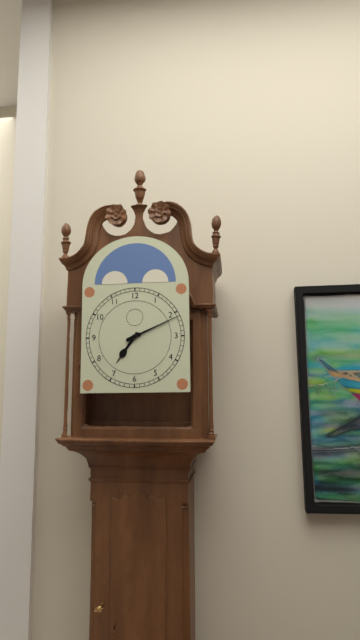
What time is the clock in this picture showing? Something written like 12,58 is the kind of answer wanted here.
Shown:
7,11
